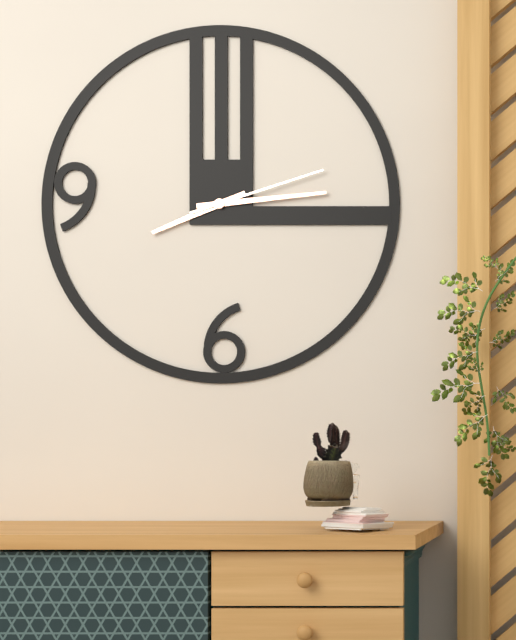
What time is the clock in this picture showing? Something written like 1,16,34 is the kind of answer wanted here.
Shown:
8,14,12
